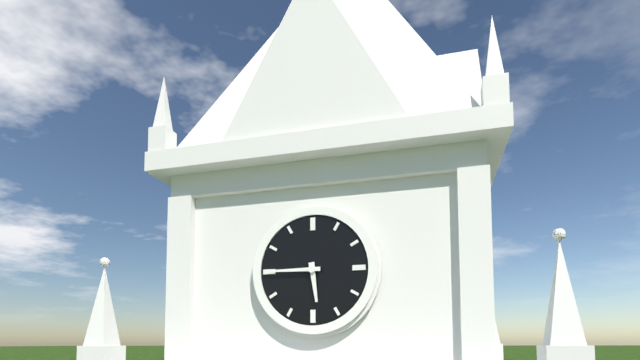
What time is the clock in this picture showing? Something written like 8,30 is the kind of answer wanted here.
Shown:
5,45
